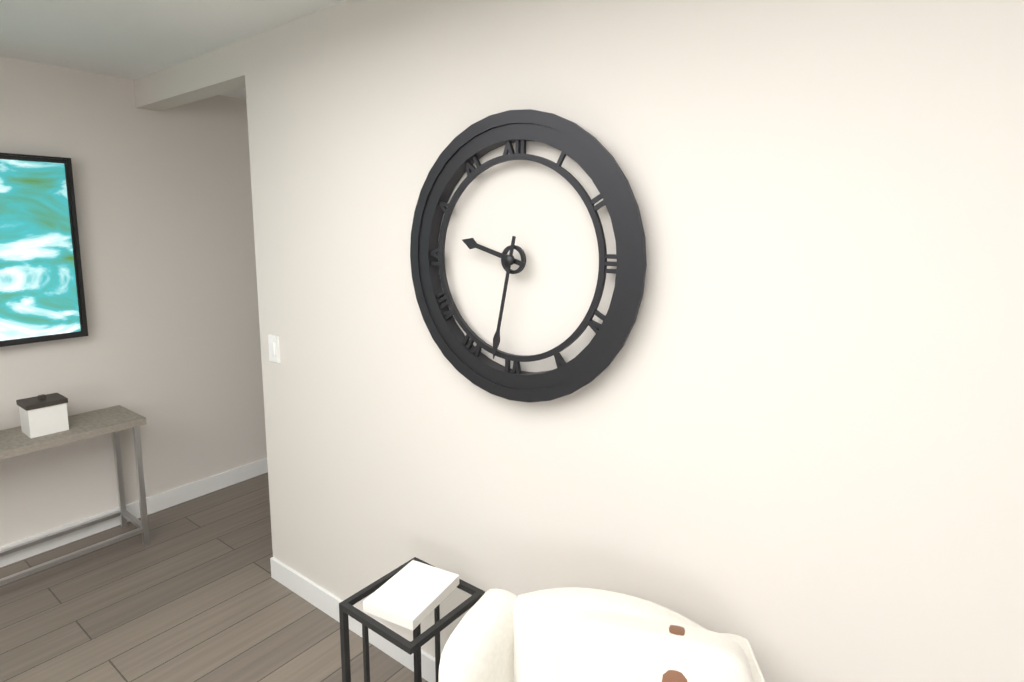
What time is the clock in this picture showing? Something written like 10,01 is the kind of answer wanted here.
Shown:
9,32
